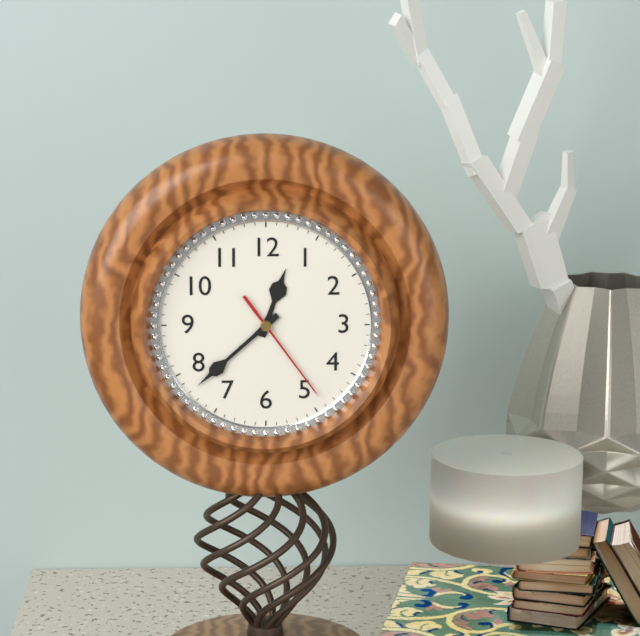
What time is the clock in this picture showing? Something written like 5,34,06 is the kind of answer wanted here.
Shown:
12,38,24
